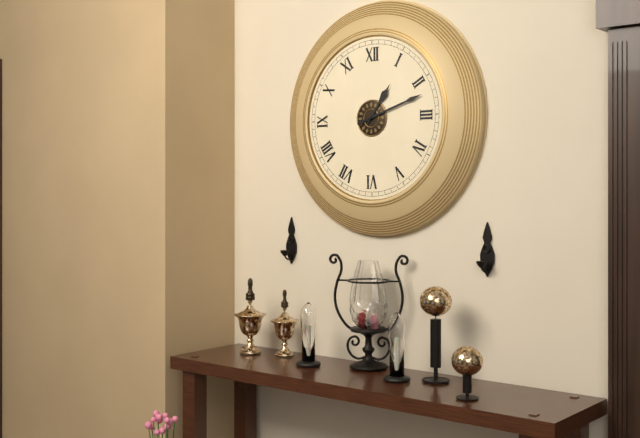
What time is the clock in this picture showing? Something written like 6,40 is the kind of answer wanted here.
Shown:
1,12
